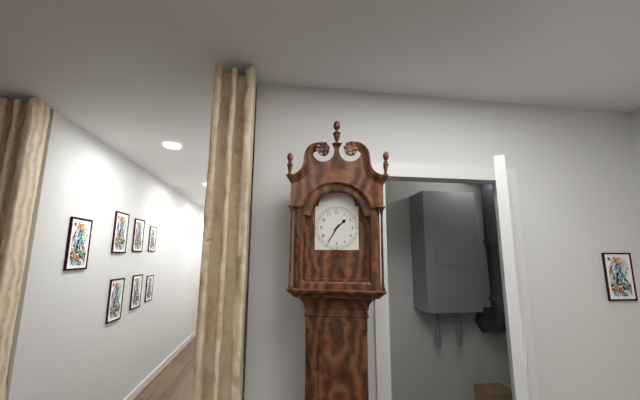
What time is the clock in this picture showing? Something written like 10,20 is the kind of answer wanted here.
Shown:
1,35
